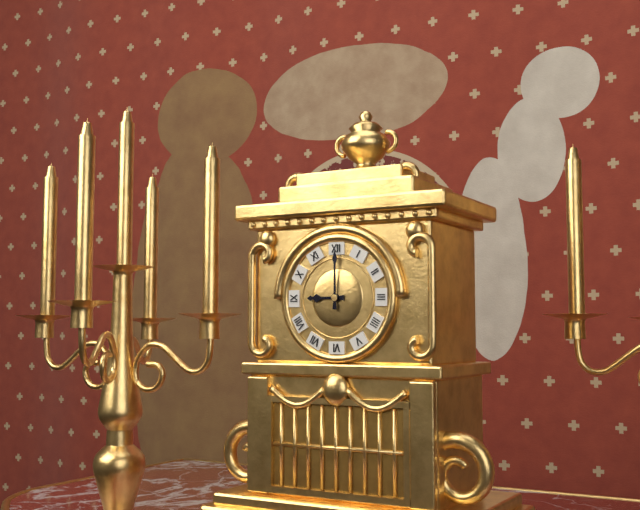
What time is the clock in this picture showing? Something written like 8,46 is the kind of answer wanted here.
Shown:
9,00
